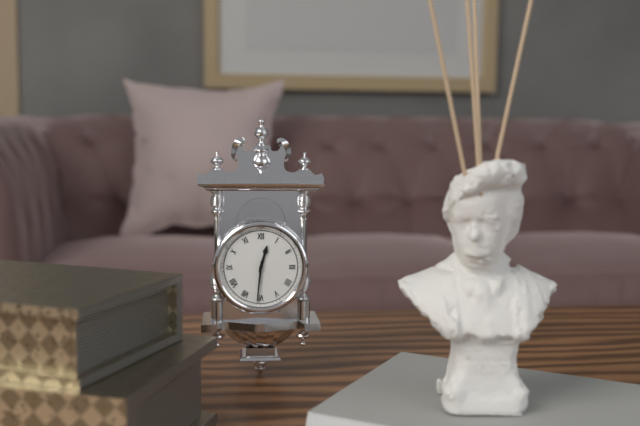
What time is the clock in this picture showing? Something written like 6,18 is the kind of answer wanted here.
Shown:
12,31
